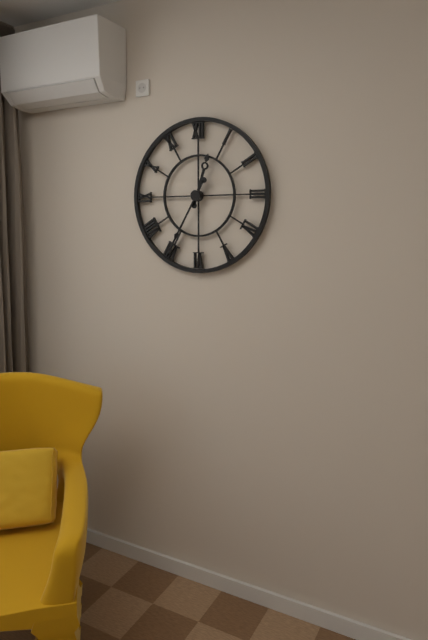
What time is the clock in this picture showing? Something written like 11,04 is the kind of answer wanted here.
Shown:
12,35
